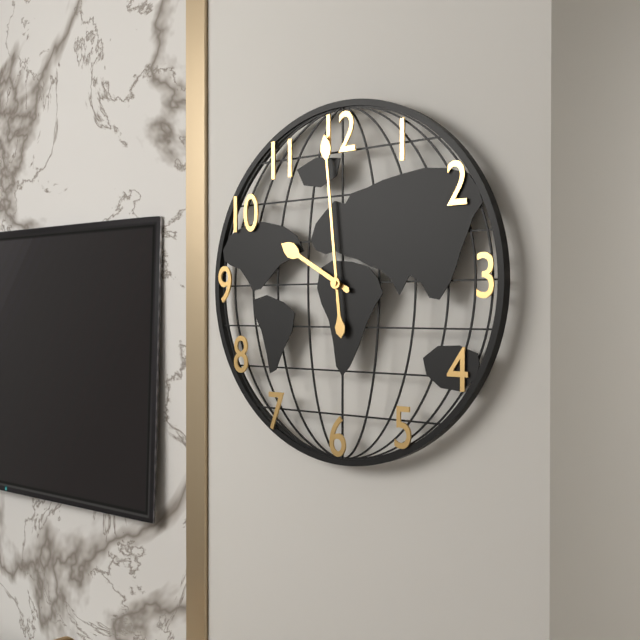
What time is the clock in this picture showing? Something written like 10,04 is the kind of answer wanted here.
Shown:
9,59
